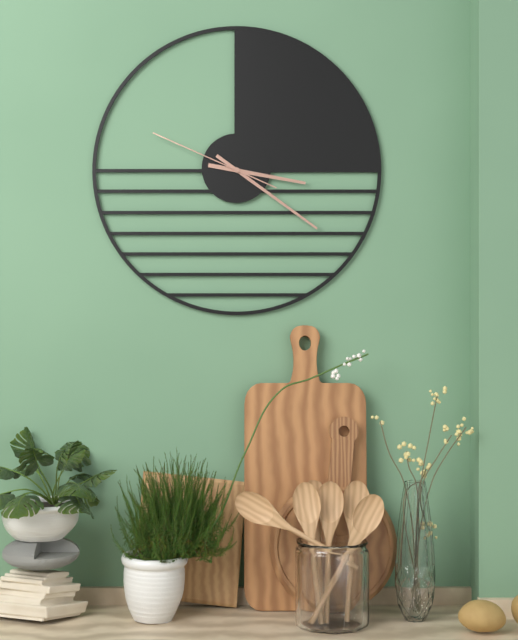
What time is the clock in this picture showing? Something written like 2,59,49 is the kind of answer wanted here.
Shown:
3,21,49
